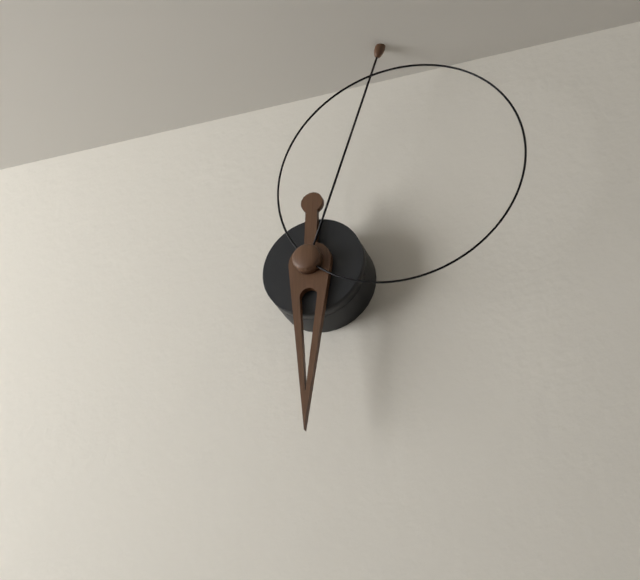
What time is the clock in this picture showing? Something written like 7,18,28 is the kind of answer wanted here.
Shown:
6,03,08
